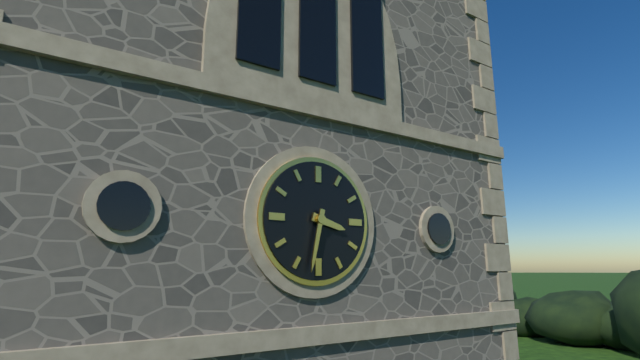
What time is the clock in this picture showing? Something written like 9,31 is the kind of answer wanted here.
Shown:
3,32
